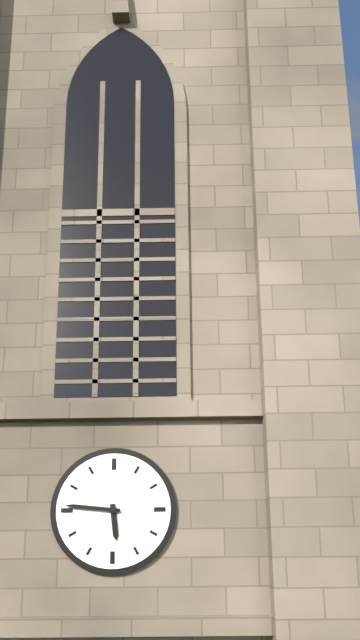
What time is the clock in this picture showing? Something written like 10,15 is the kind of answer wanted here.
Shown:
5,46
